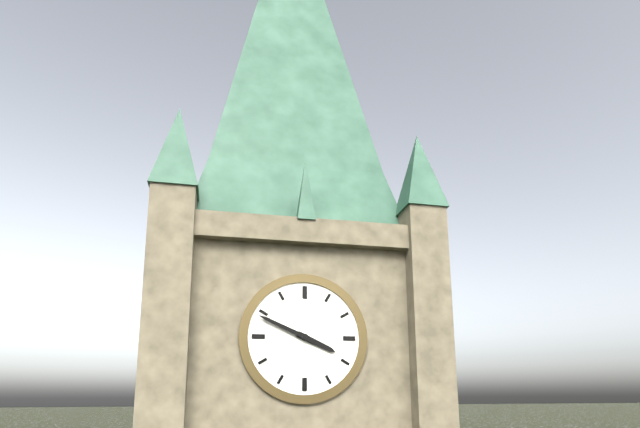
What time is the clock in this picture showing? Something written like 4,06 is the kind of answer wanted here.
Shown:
3,49
